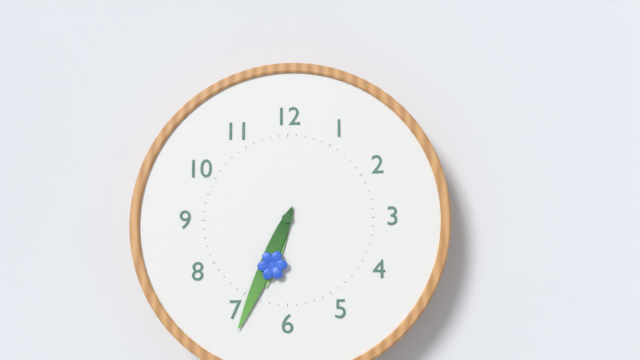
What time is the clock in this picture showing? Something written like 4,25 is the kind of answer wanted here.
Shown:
6,34
